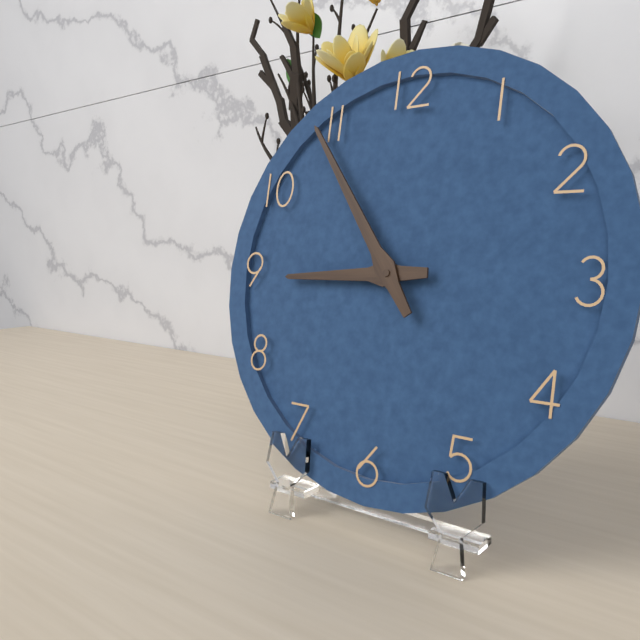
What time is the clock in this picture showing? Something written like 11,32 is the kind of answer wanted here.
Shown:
8,54
